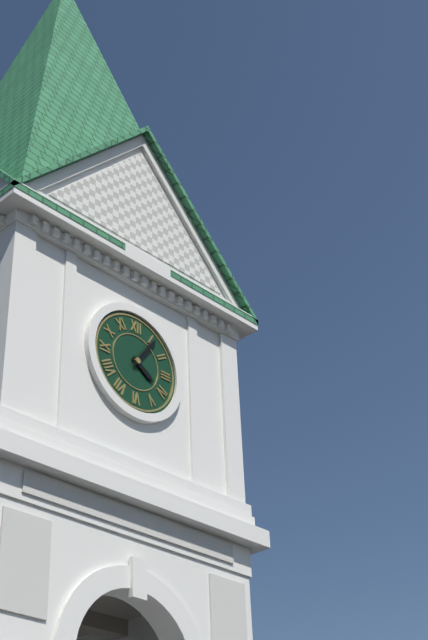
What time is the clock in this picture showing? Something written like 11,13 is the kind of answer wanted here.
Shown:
4,06
